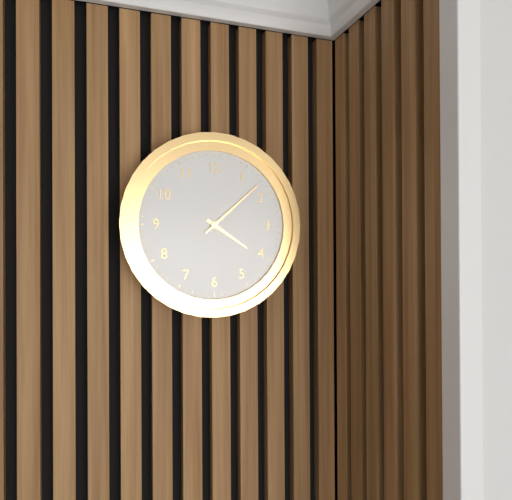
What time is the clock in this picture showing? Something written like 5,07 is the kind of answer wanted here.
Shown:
4,08
